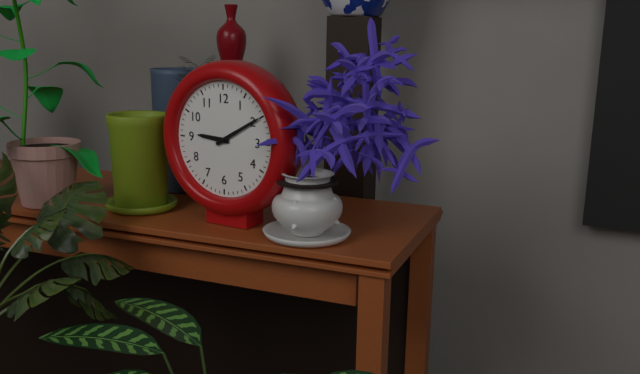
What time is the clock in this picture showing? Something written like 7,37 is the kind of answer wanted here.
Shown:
9,10
